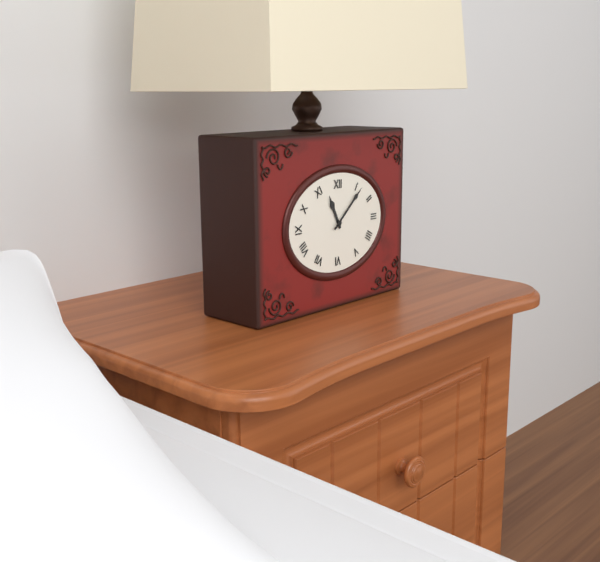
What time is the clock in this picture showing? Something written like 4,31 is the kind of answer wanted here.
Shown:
11,08
